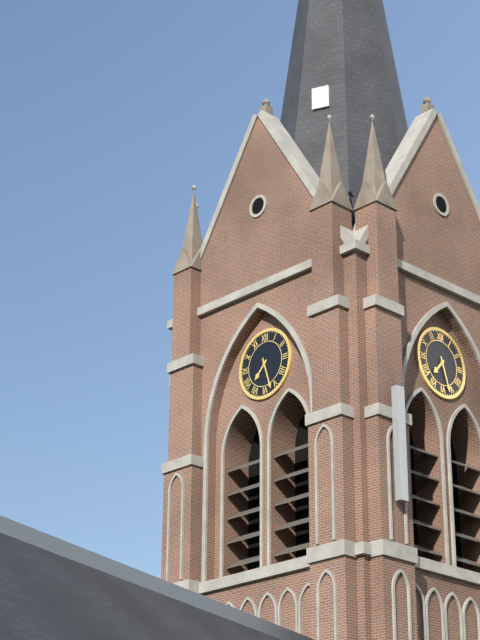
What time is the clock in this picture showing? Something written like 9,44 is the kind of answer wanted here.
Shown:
7,27
